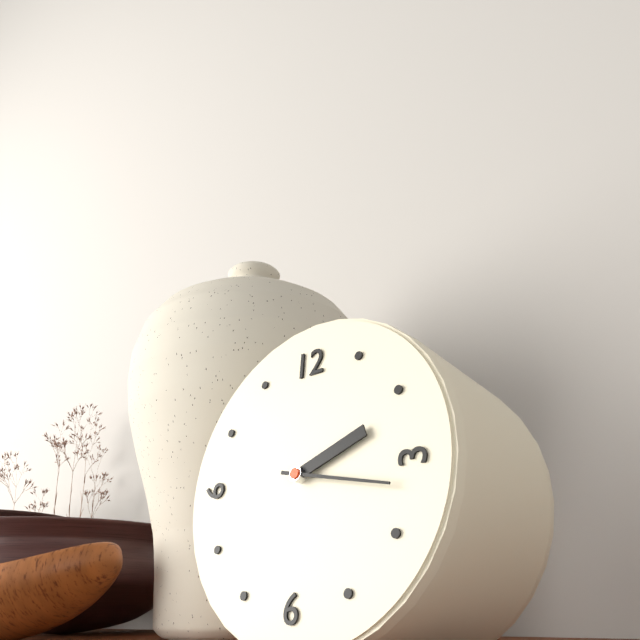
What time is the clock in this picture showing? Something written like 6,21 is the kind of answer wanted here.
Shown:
2,17
